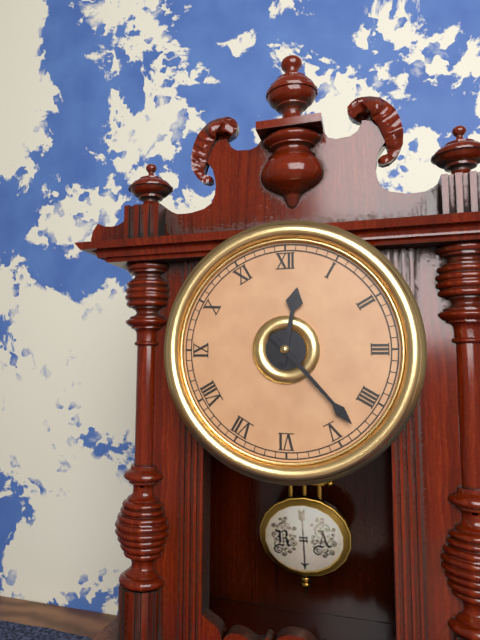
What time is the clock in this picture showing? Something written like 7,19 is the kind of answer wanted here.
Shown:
12,23
